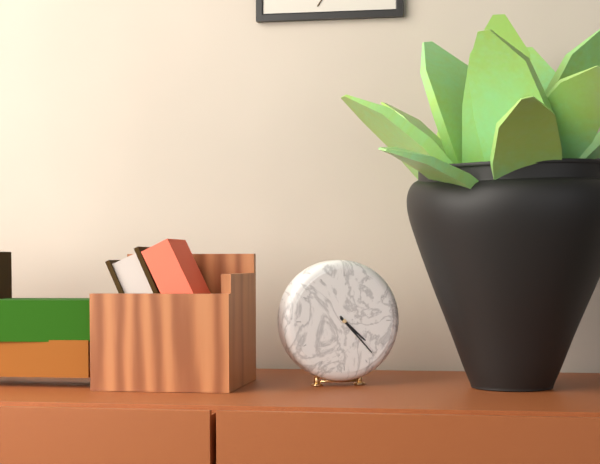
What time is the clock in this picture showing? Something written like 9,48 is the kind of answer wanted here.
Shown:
4,23
